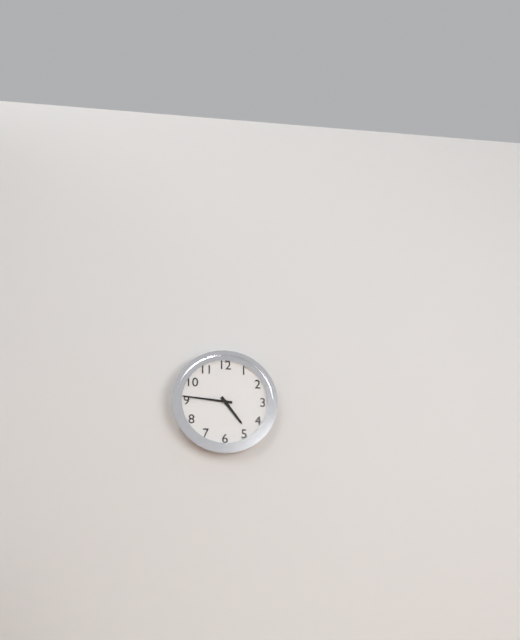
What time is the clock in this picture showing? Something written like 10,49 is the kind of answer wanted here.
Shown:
4,46
